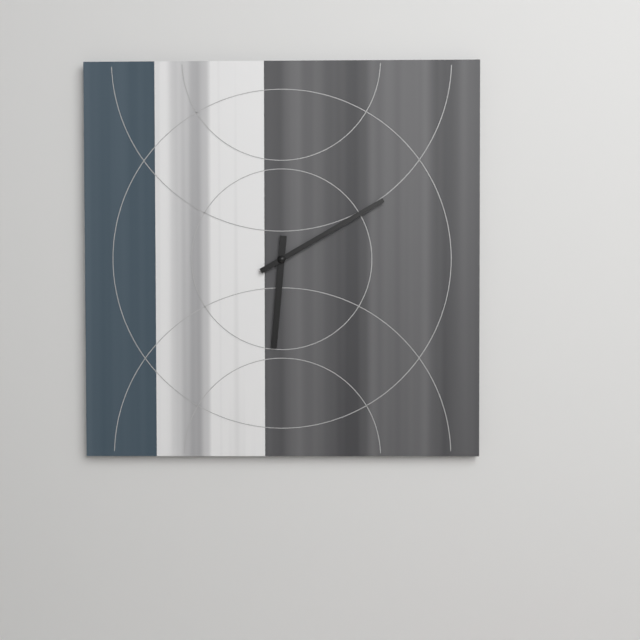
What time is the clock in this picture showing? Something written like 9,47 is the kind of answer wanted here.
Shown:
6,10
